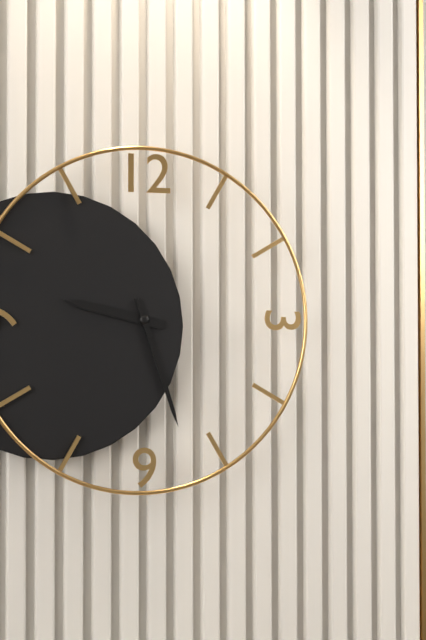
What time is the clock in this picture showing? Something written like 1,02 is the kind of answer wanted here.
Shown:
9,27
